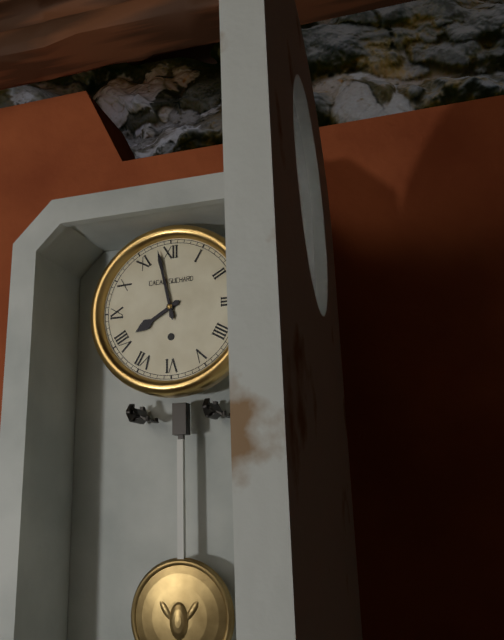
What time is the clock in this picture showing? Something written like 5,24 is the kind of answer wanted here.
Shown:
7,58
